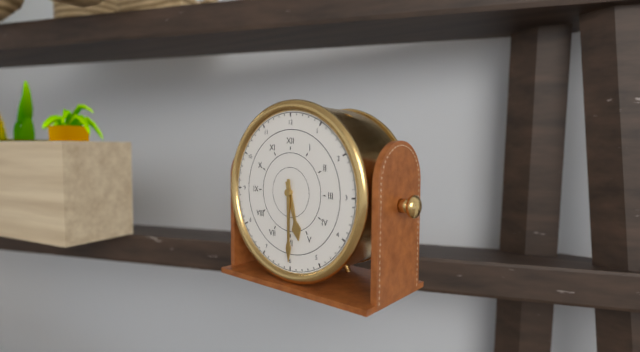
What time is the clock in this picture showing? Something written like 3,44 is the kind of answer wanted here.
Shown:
5,30
